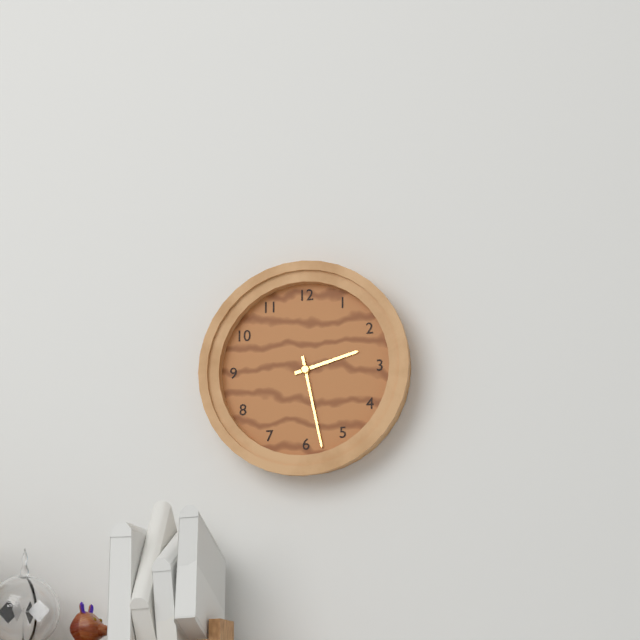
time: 2:28
